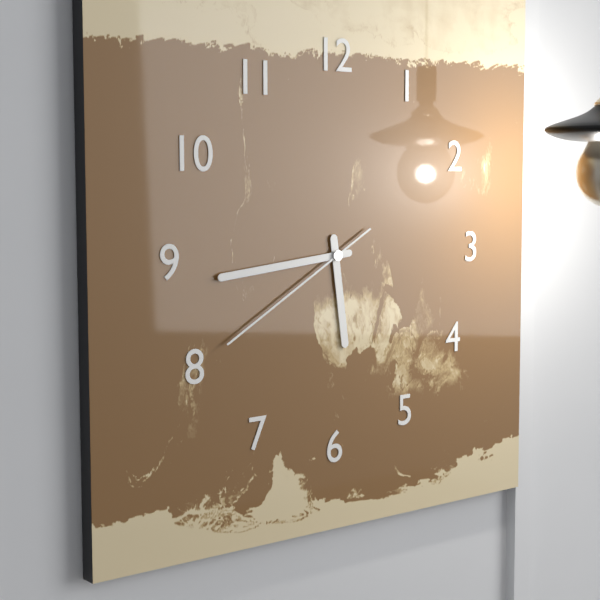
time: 5:44:40
